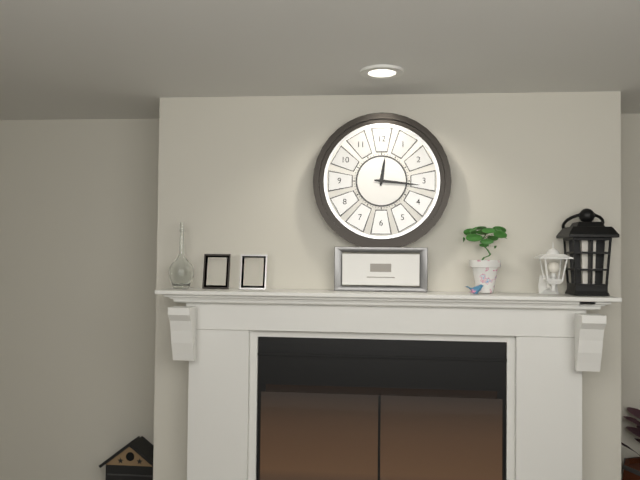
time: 12:16
